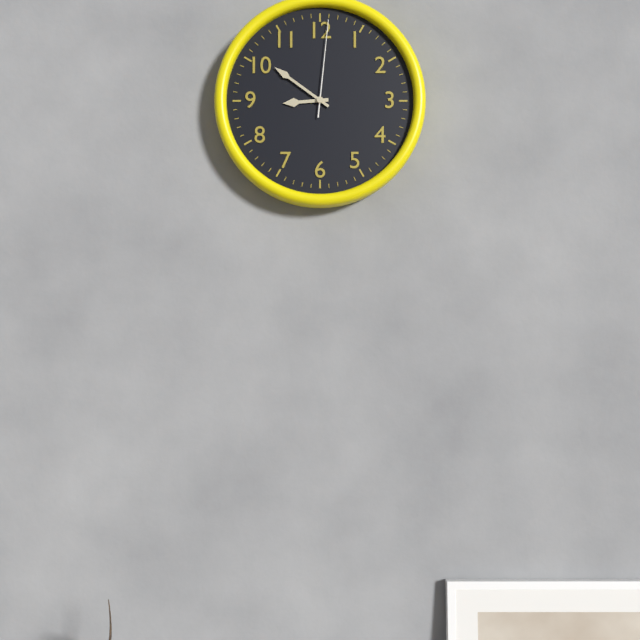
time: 8:51:01
